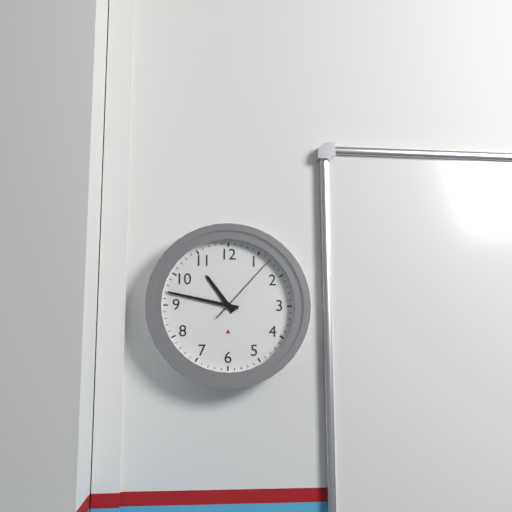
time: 10:47:07
